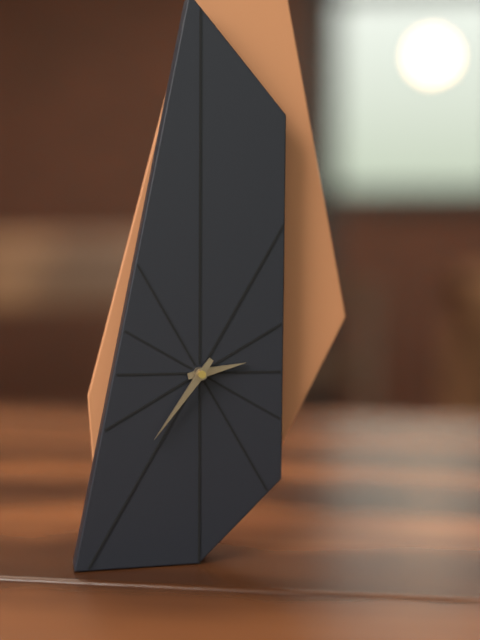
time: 2:36
